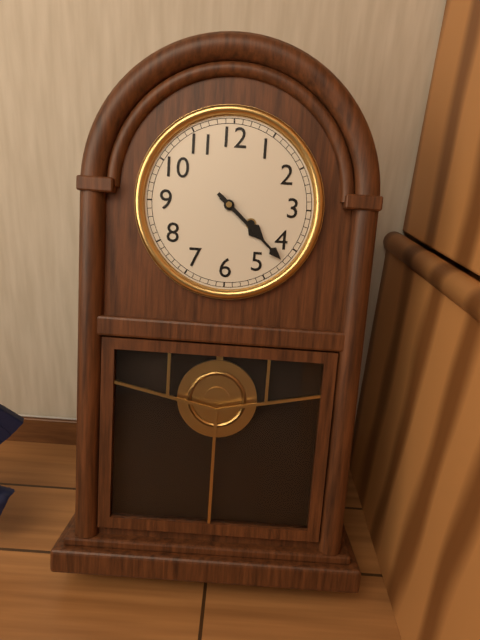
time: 4:22
